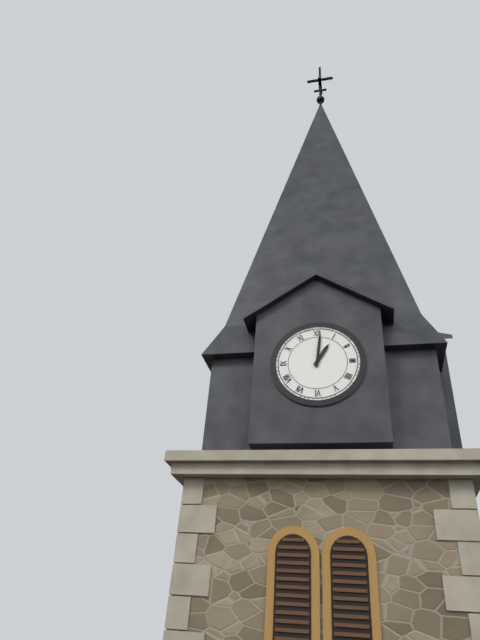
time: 1:01
